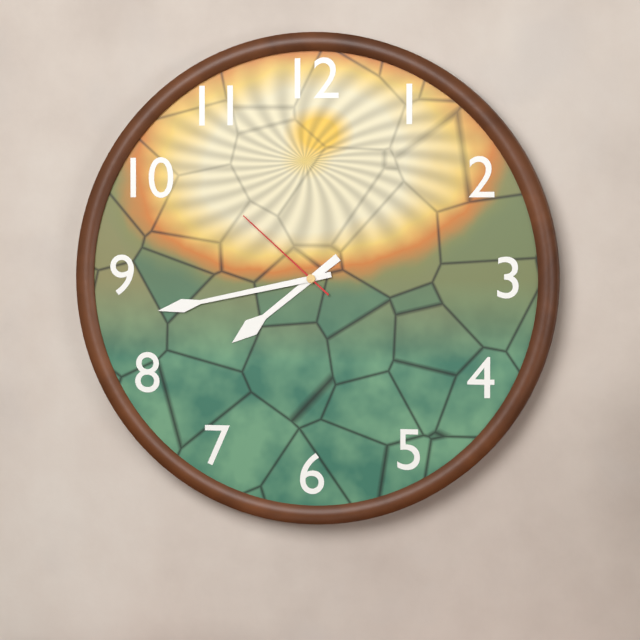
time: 7:43:52
